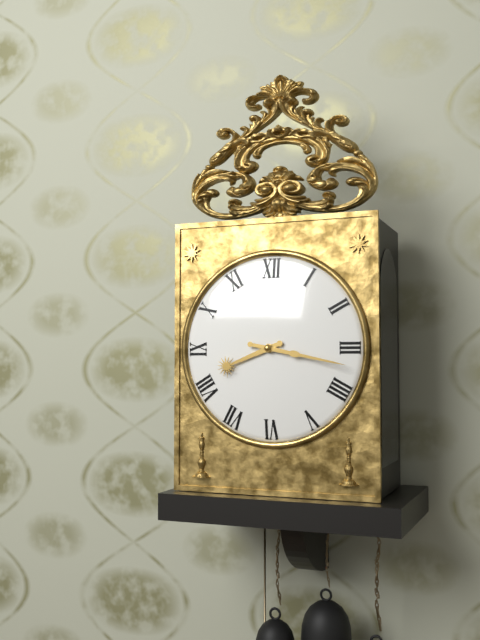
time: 8:17
